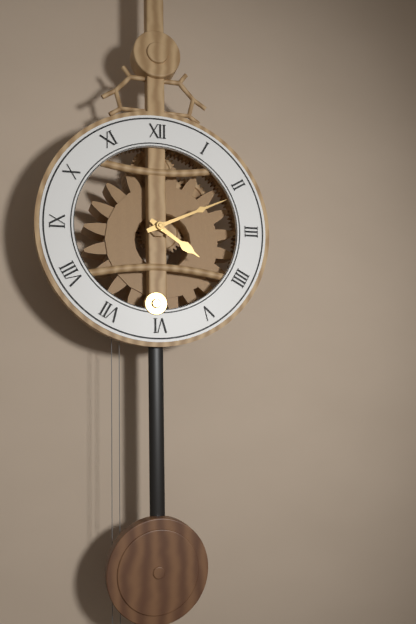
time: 4:11
